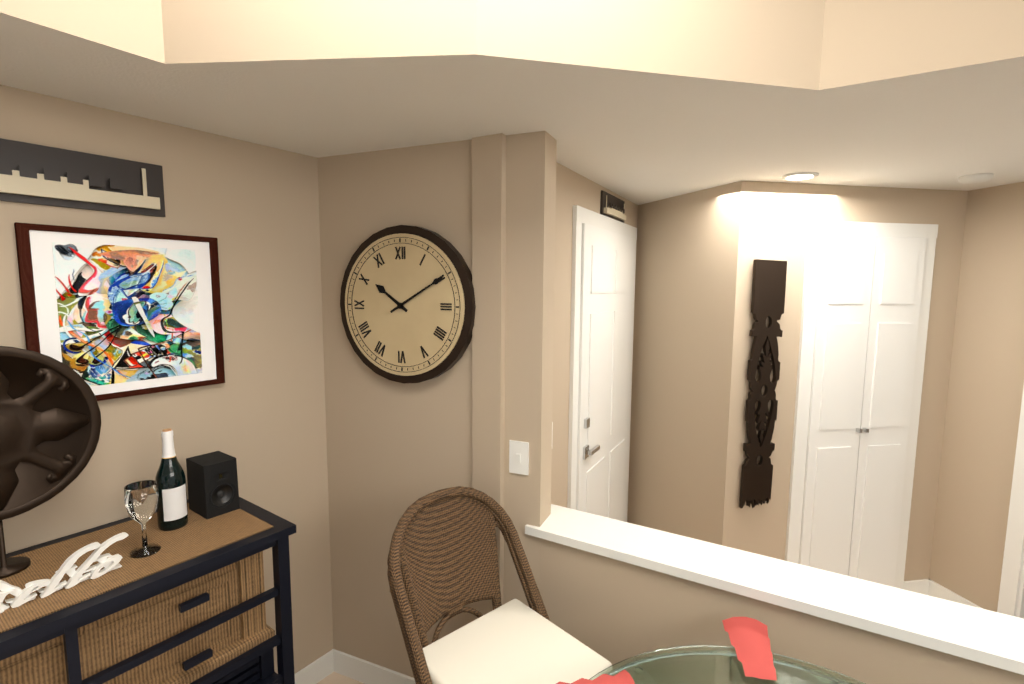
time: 10:10
